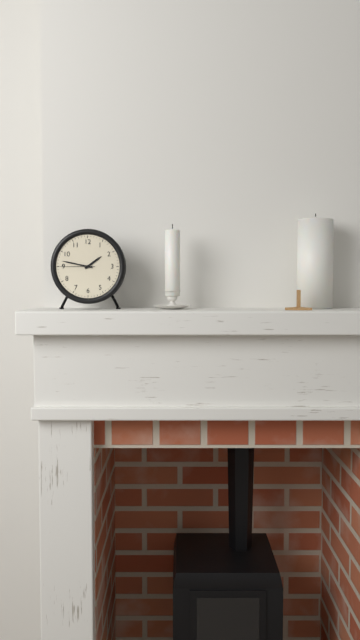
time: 1:47
